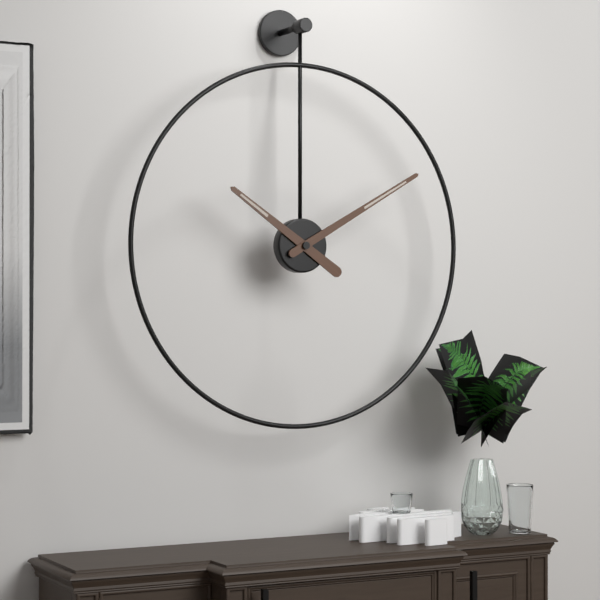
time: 10:10
